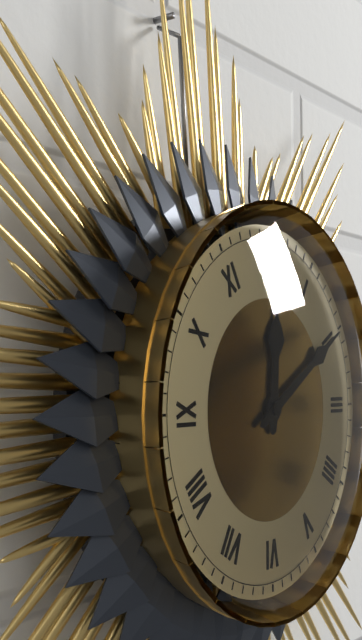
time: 12:10
